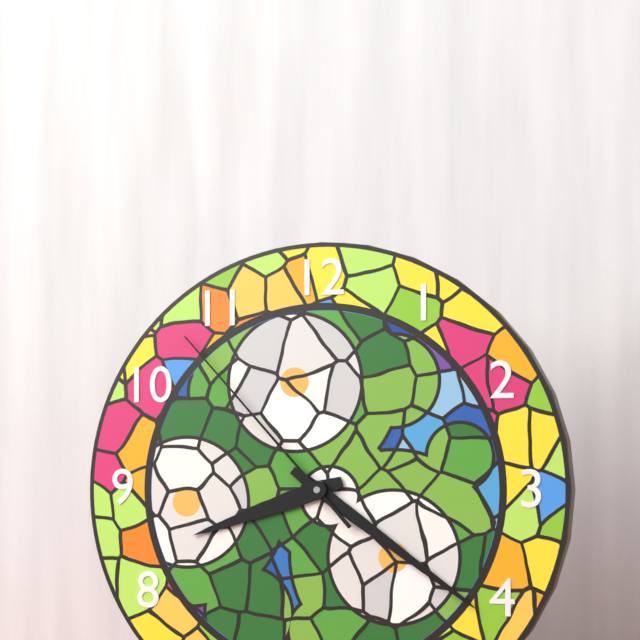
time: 8:21:53
